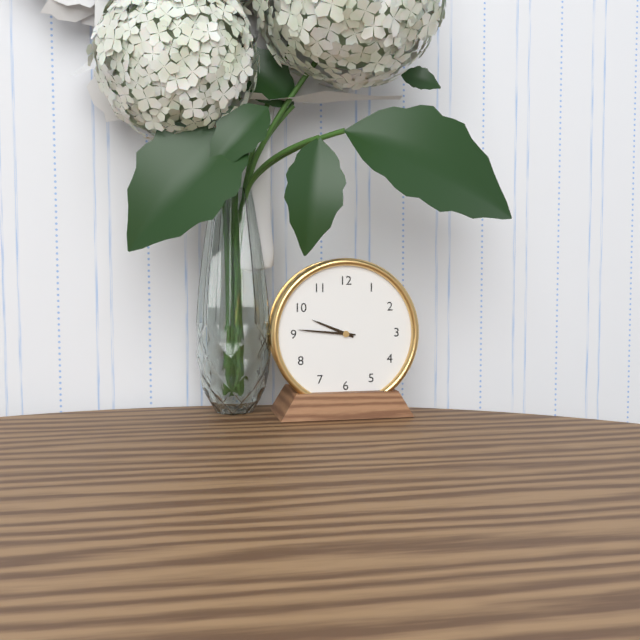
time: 9:46
